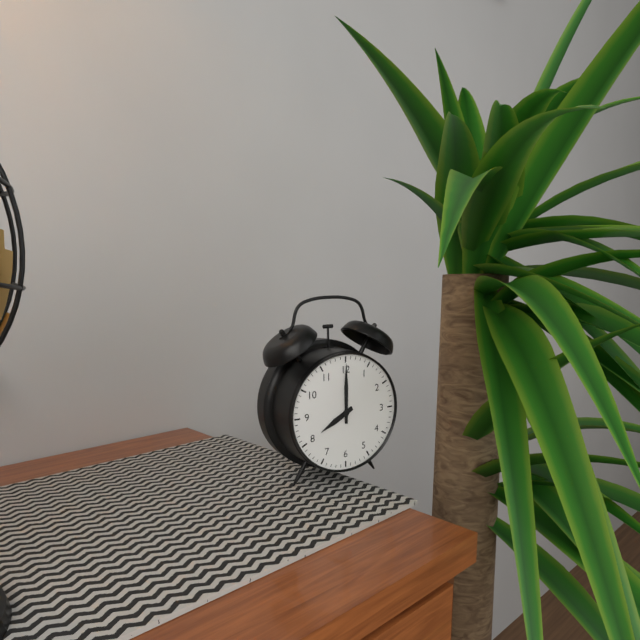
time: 8:00
